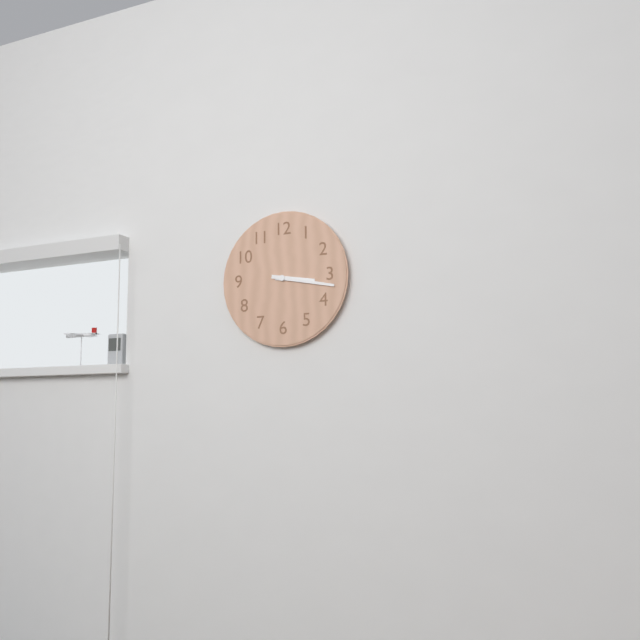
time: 3:17
